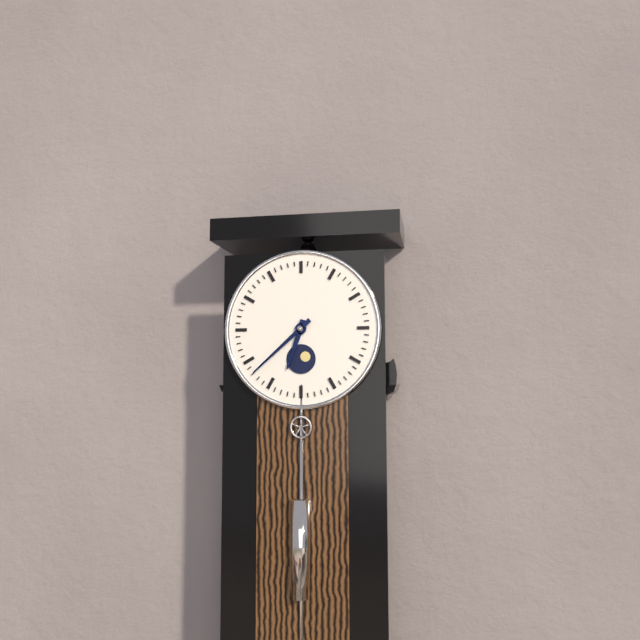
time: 6:38
